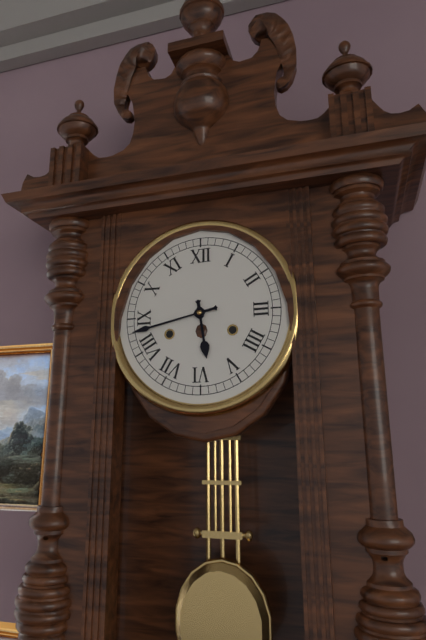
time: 5:43
